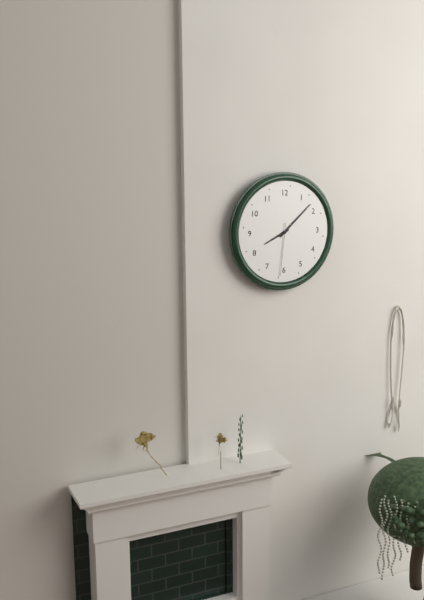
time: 8:08:31
